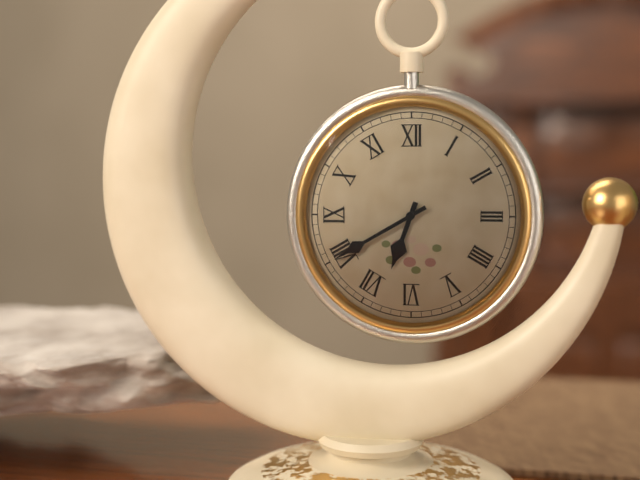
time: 6:40
